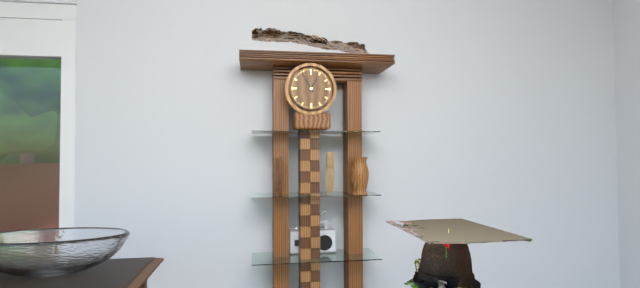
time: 12:55
